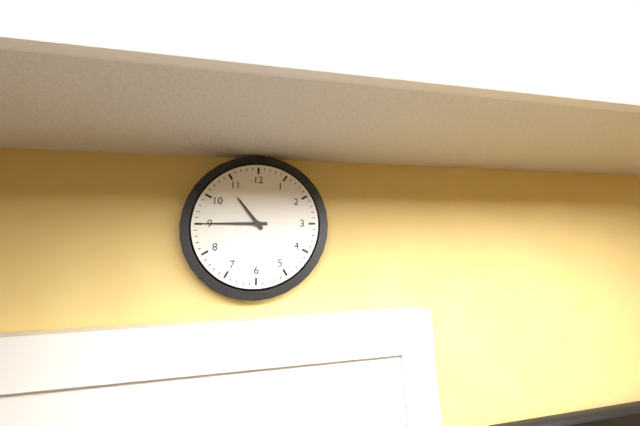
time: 10:45
